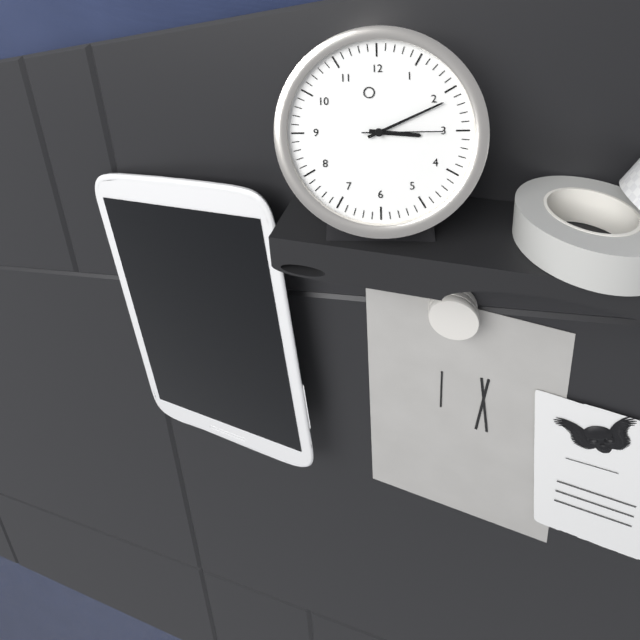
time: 3:11:15
